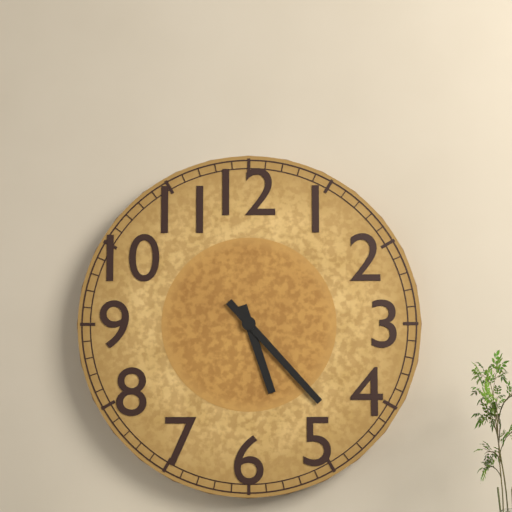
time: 5:23
